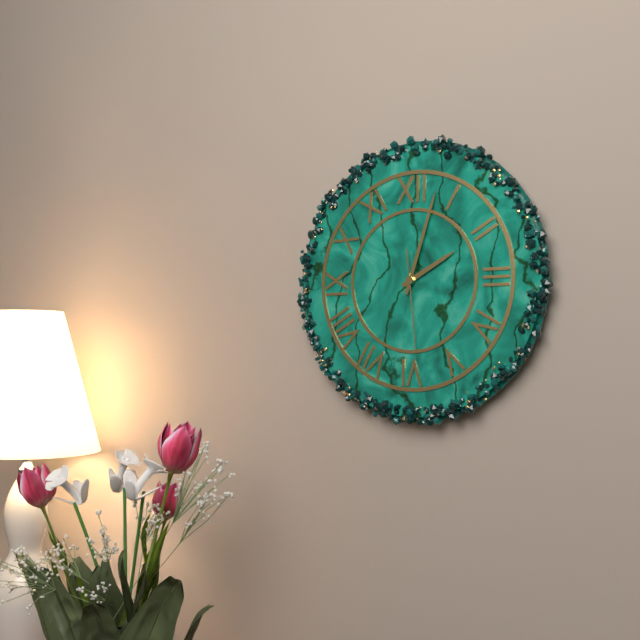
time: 2:03:29
